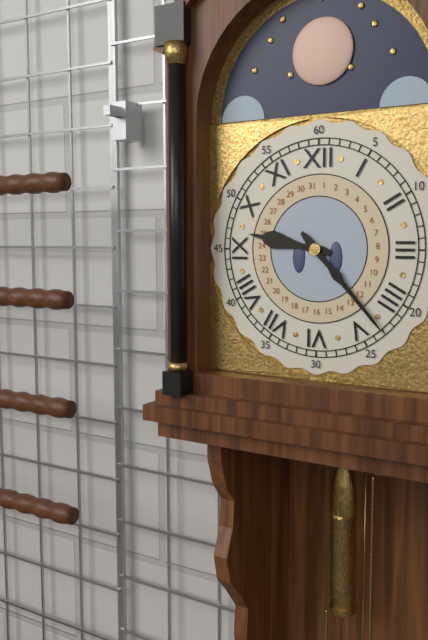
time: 9:23
